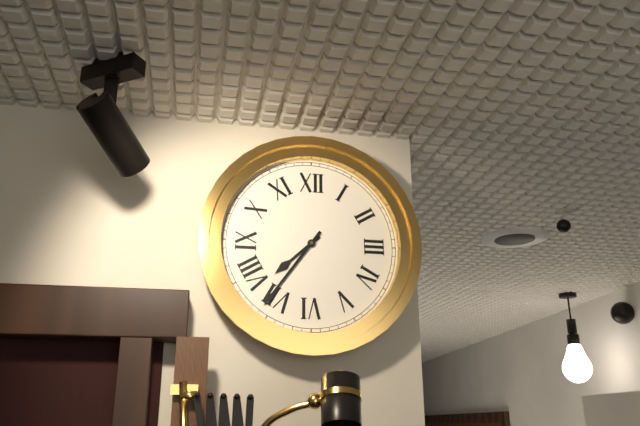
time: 7:36
